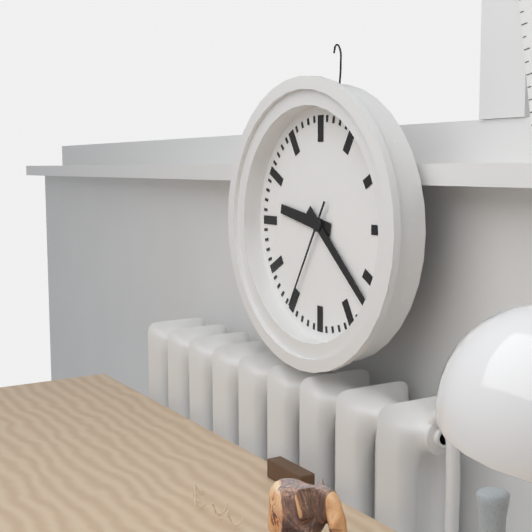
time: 9:22:35
